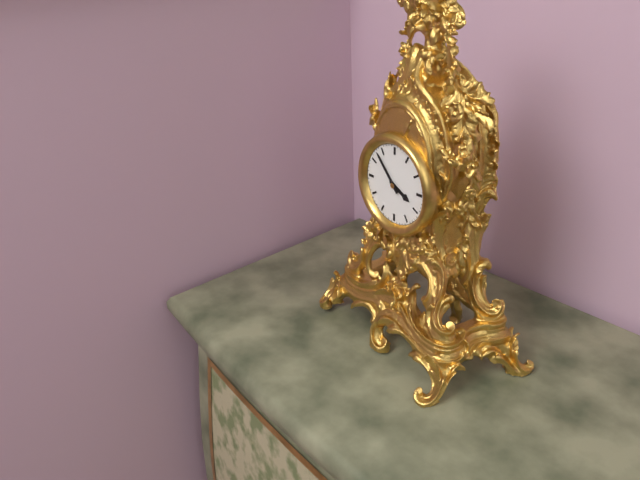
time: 3:53
